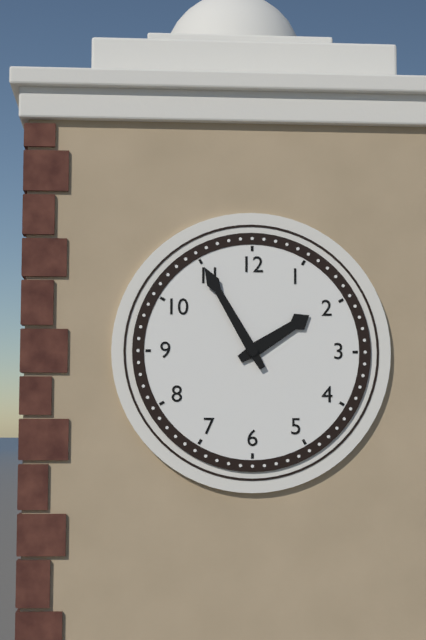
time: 1:55
